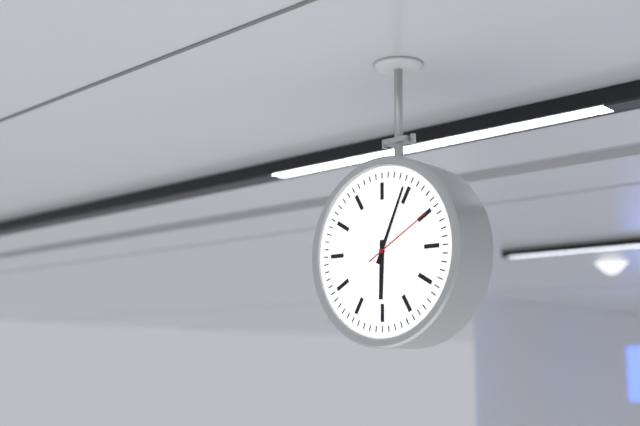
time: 6:04:10
